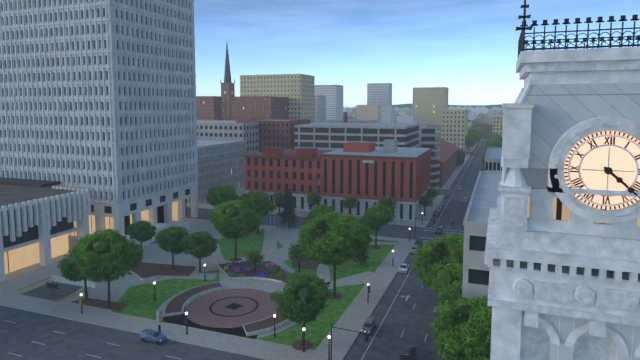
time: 4:22
